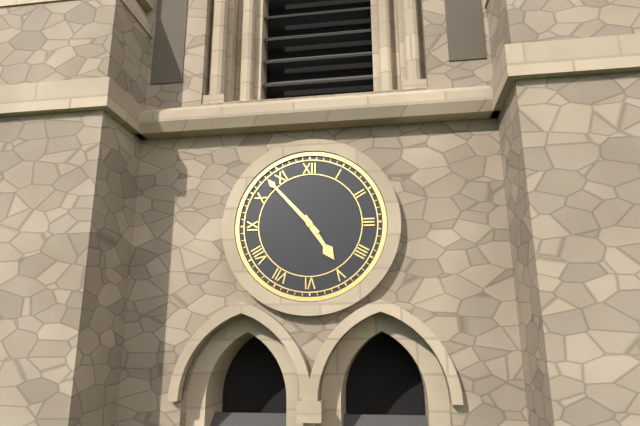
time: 4:53
